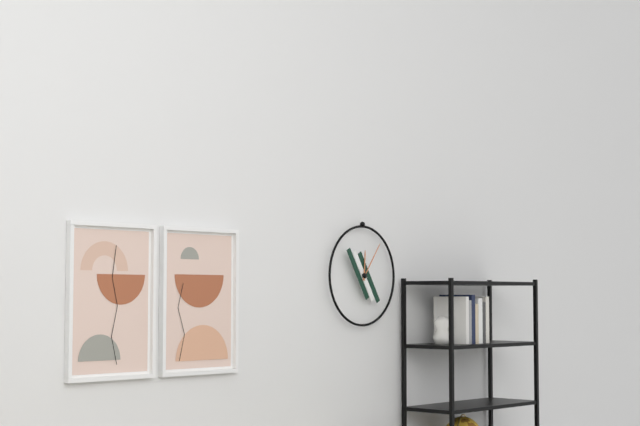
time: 12:06
